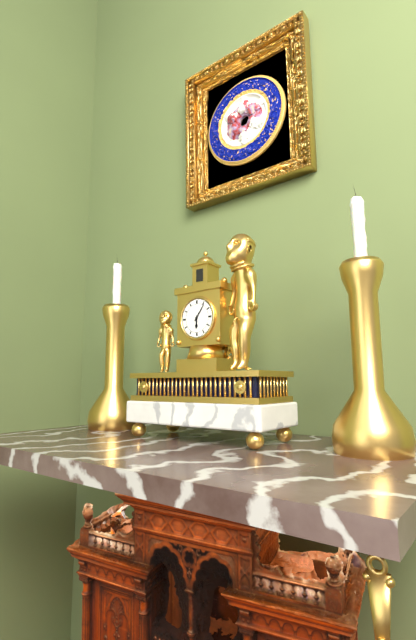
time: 6:06
